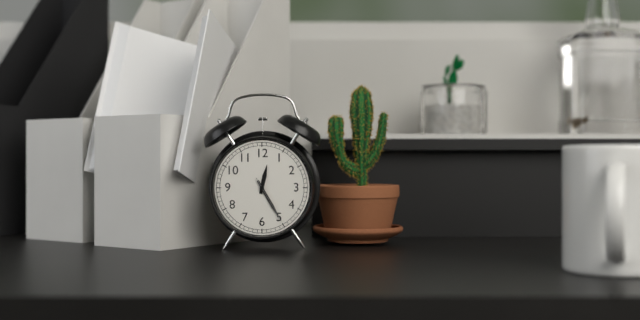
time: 12:25
